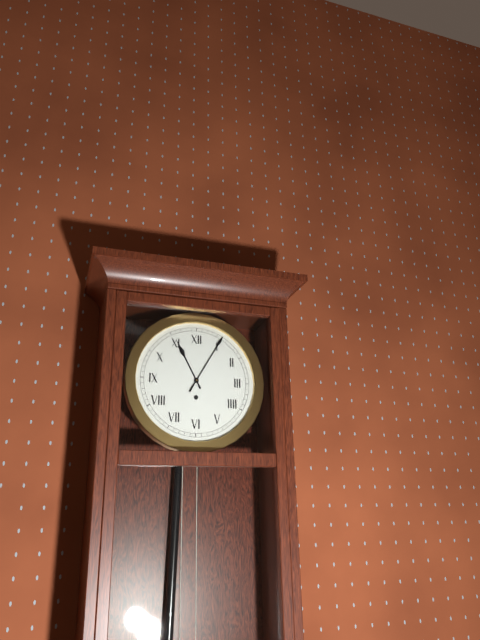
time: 11:05
